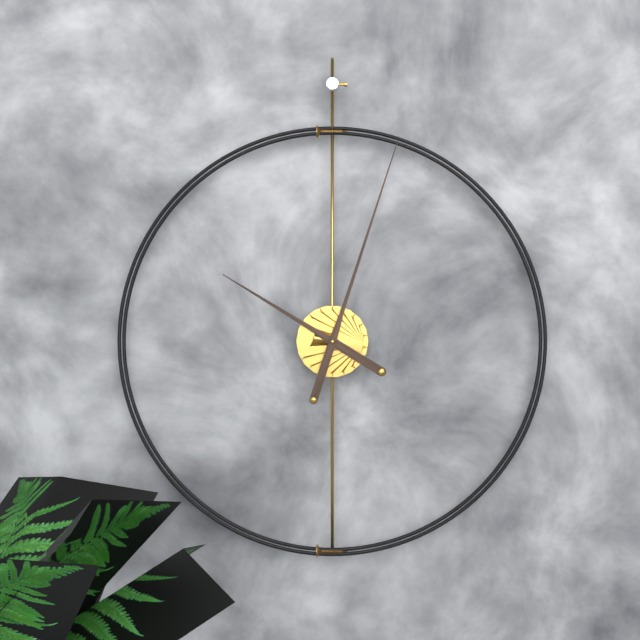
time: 10:03
